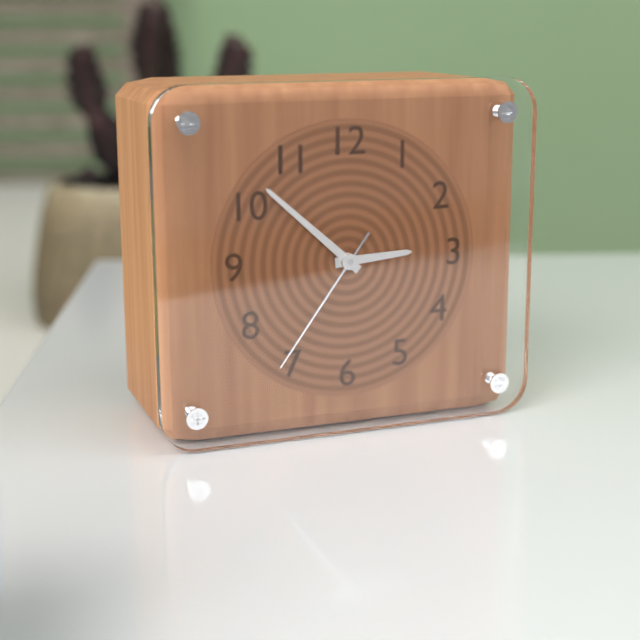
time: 2:52:36
